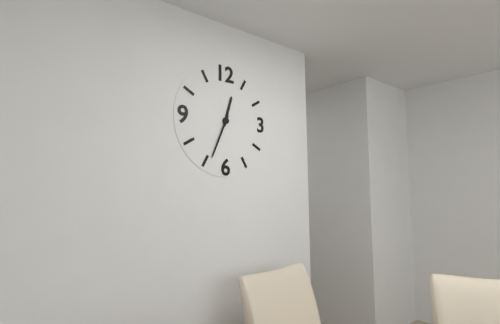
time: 12:34
